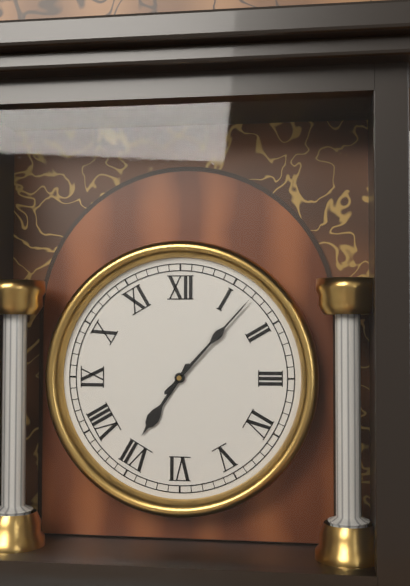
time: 7:07
